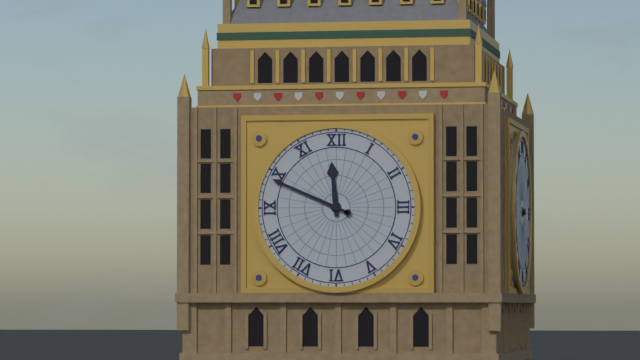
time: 11:49
